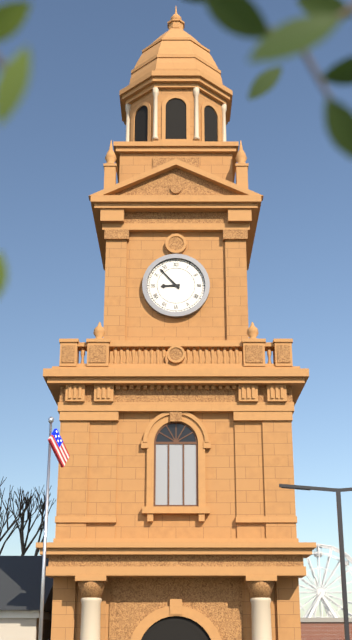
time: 8:53
